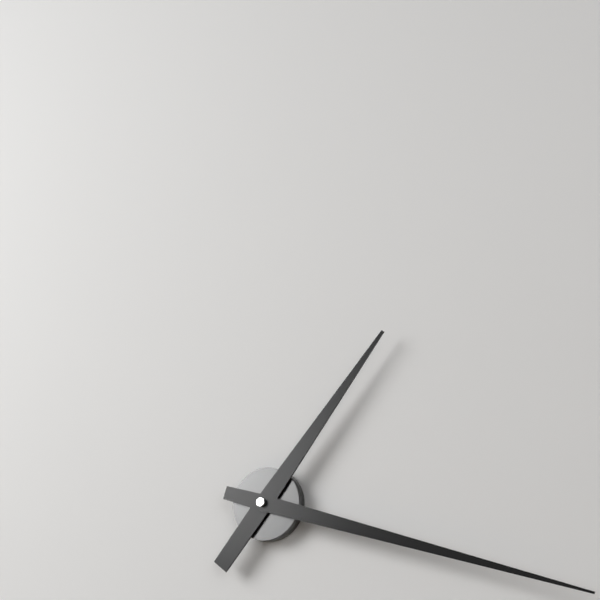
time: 1:18
